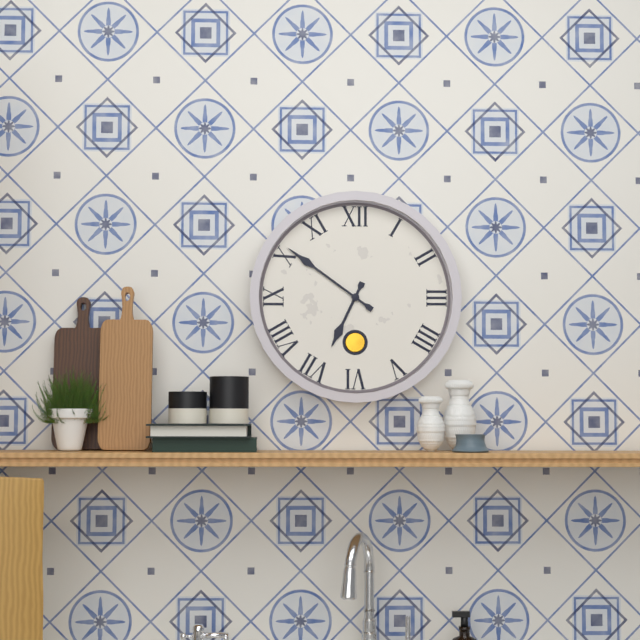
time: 6:51
